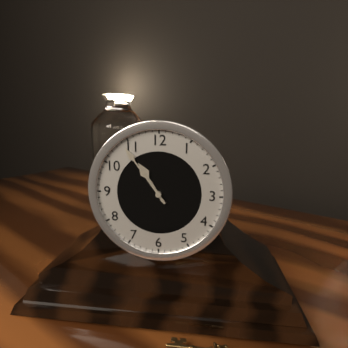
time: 10:54
